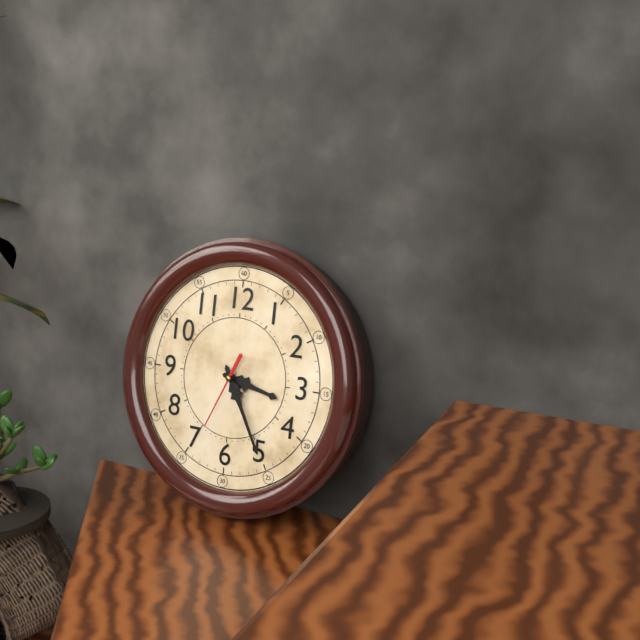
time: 3:25:34
